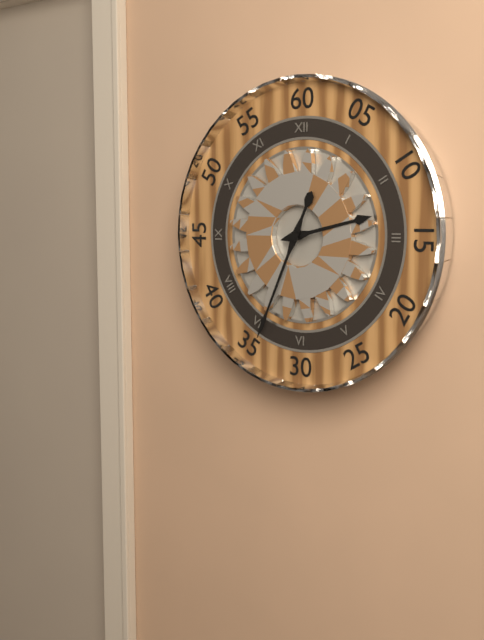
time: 2:34
